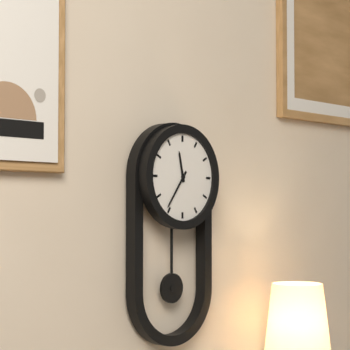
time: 11:36
